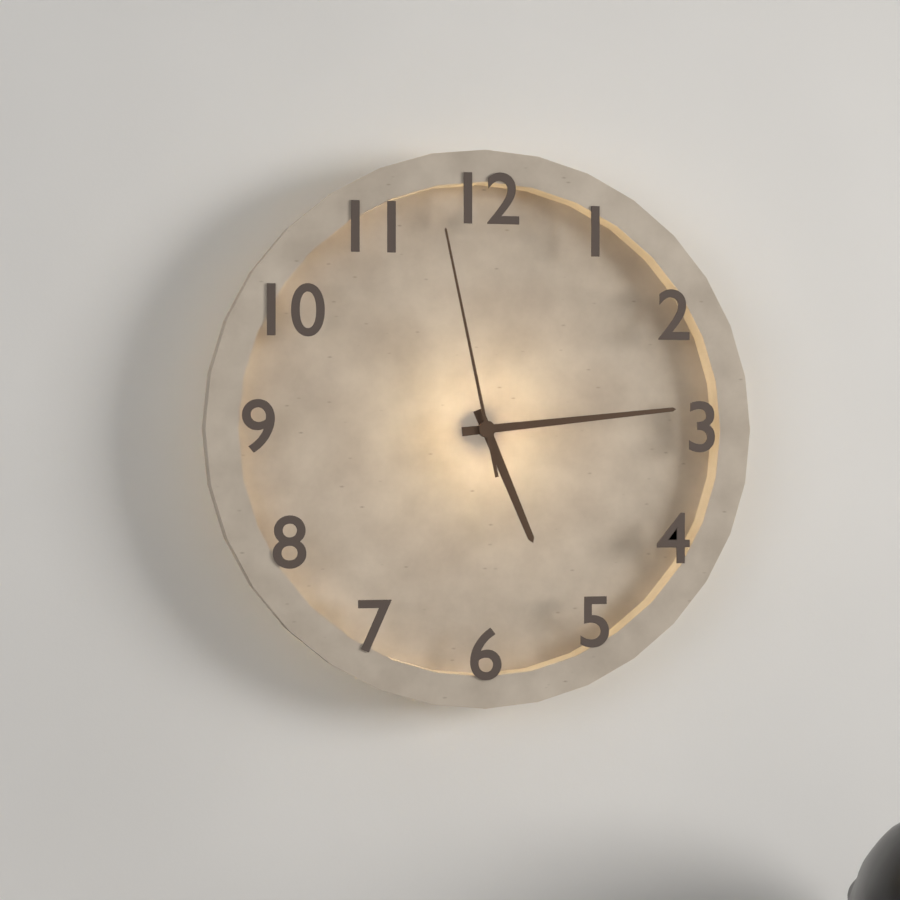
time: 5:14:58
